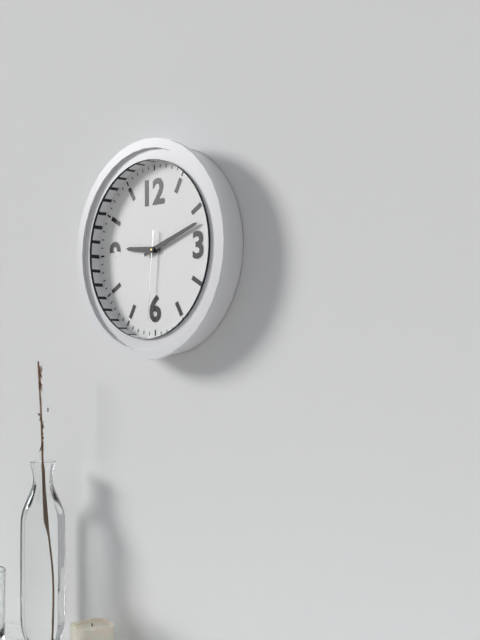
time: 9:12:31
